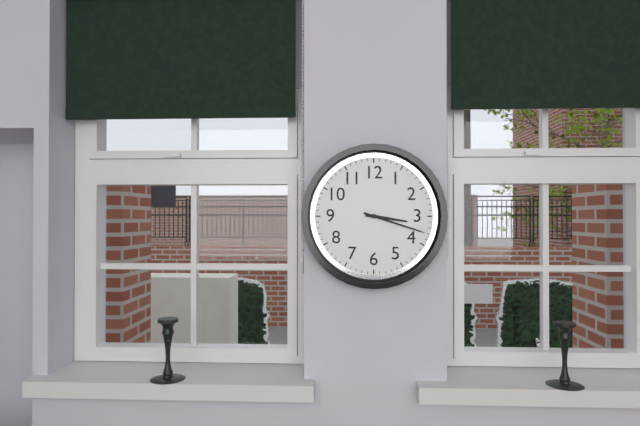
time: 3:18
